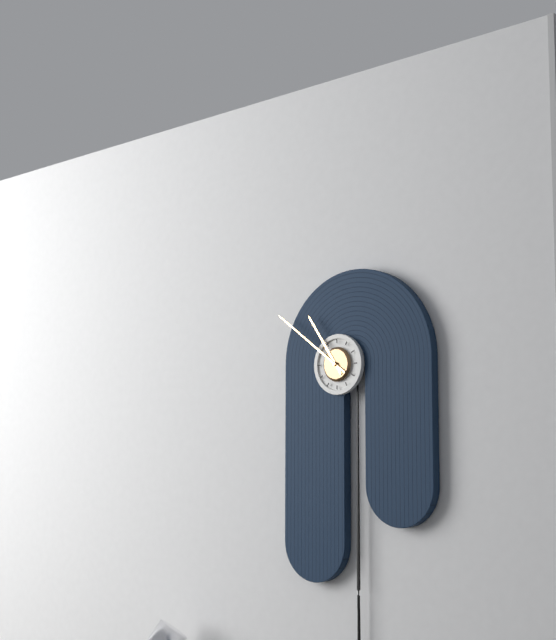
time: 10:51
